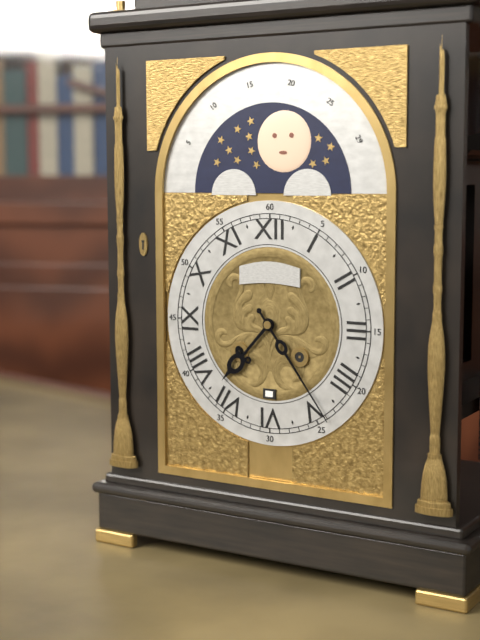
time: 7:24
